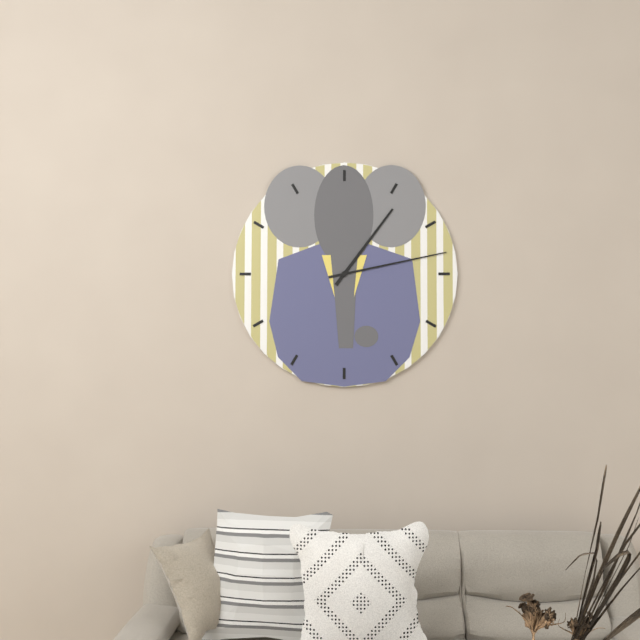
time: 1:13
